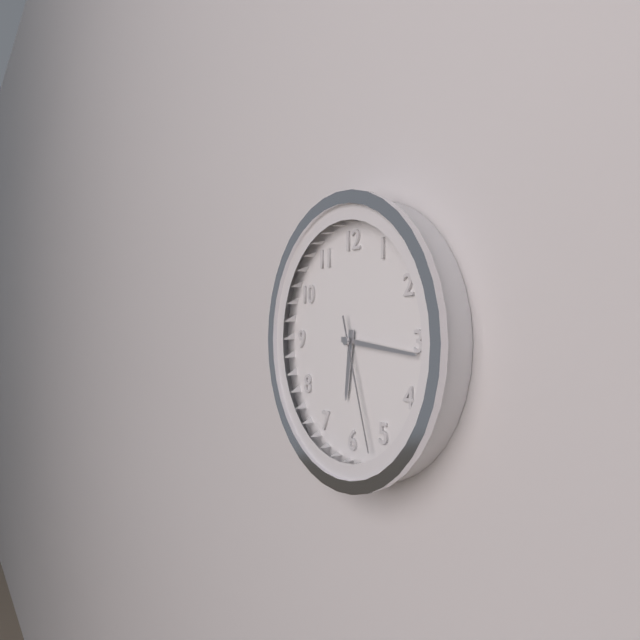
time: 6:16:27
